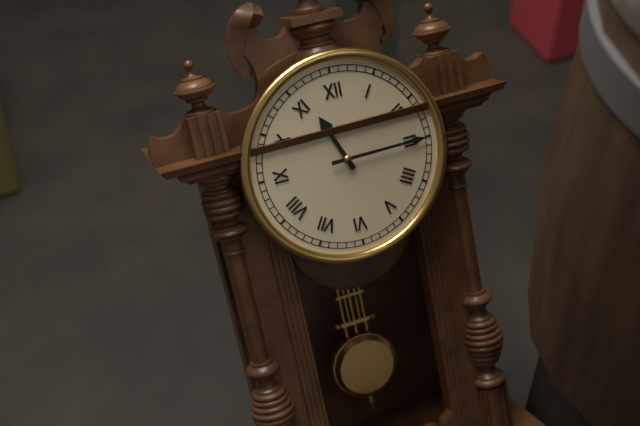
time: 11:15
